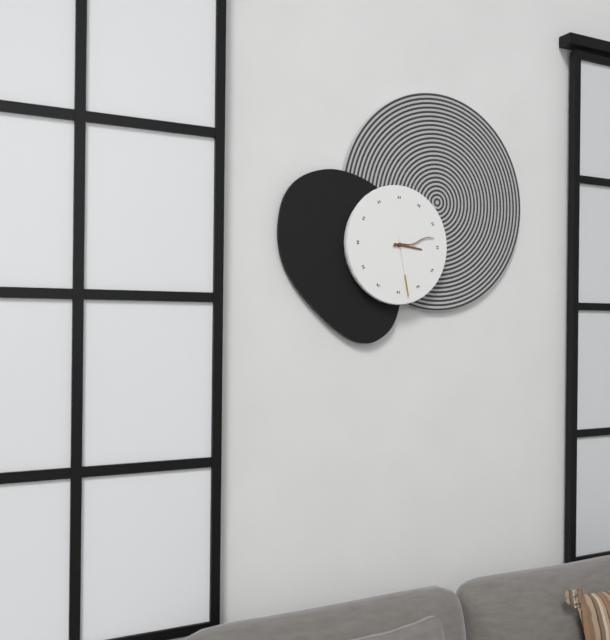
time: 3:13:28
